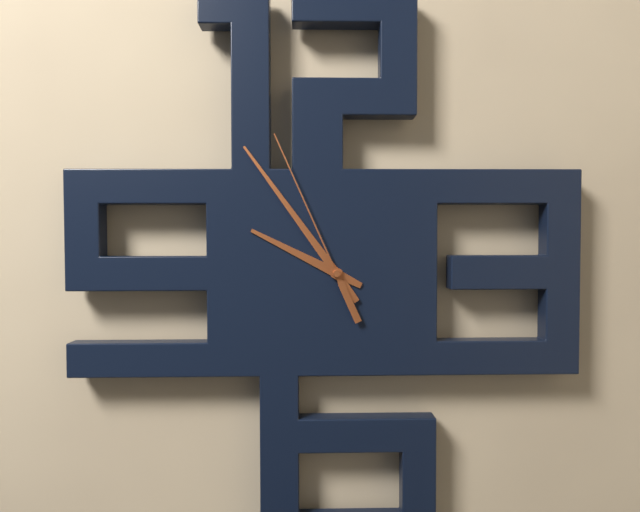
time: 9:54:56
